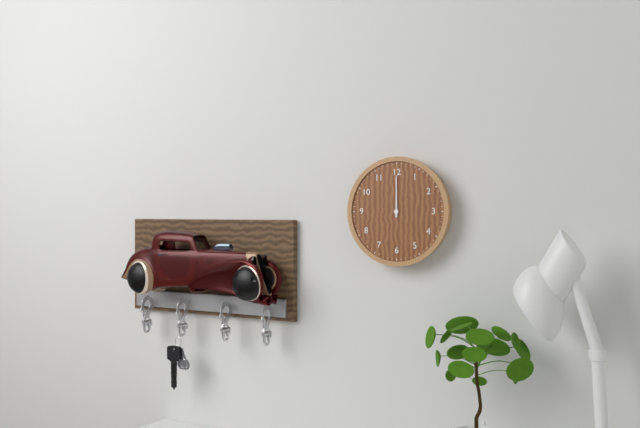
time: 12:00
